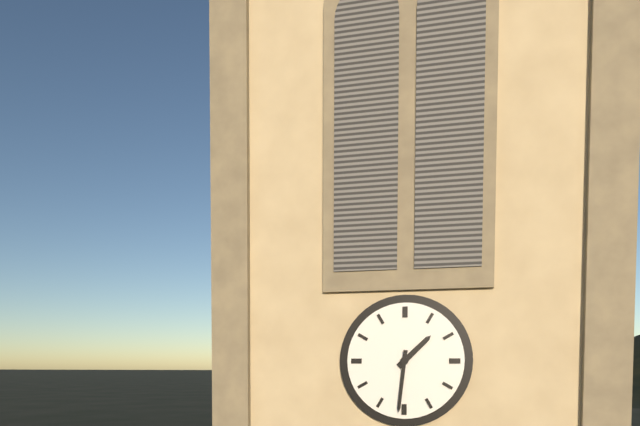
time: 1:31
